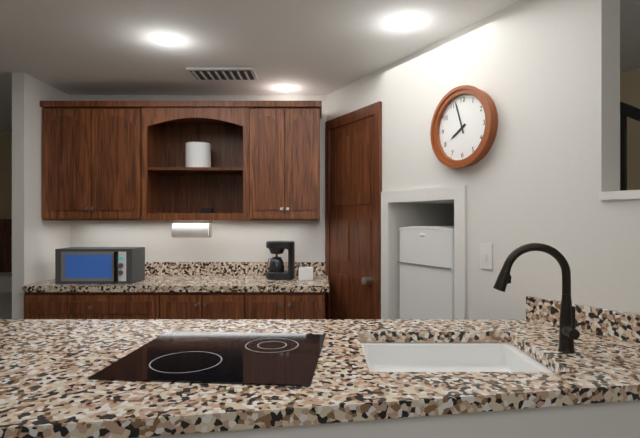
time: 7:57
